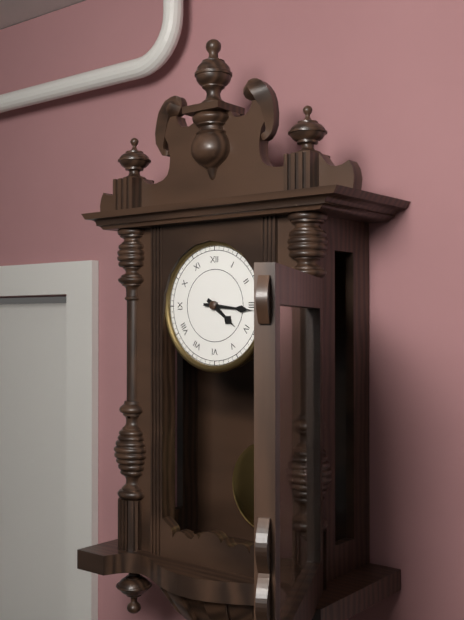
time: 4:16
